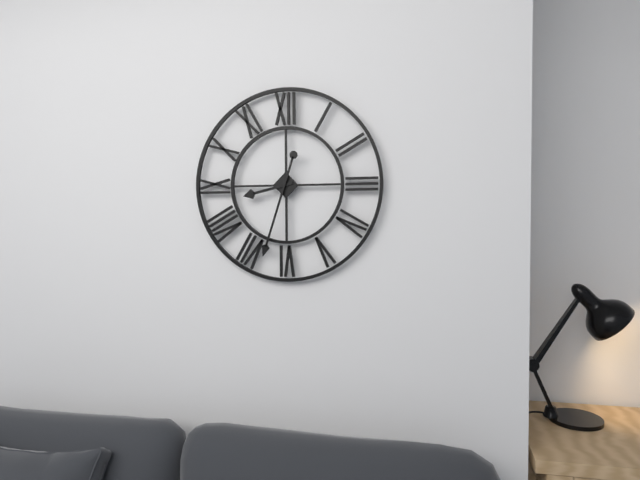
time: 8:33
